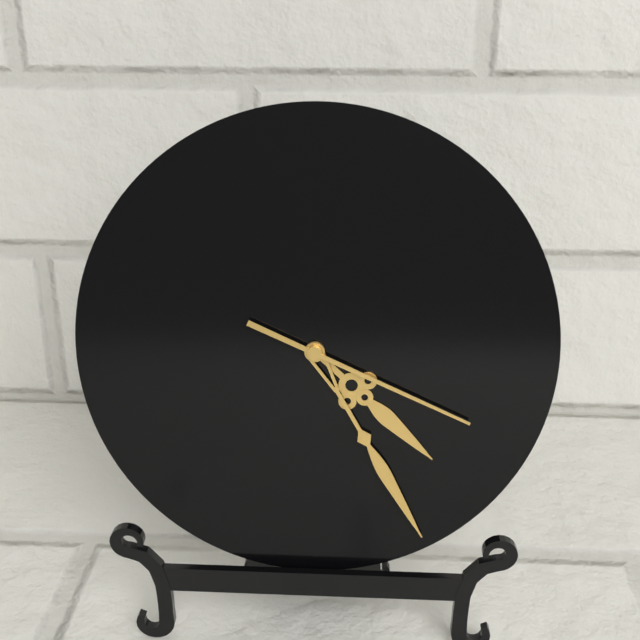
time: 4:25:19
